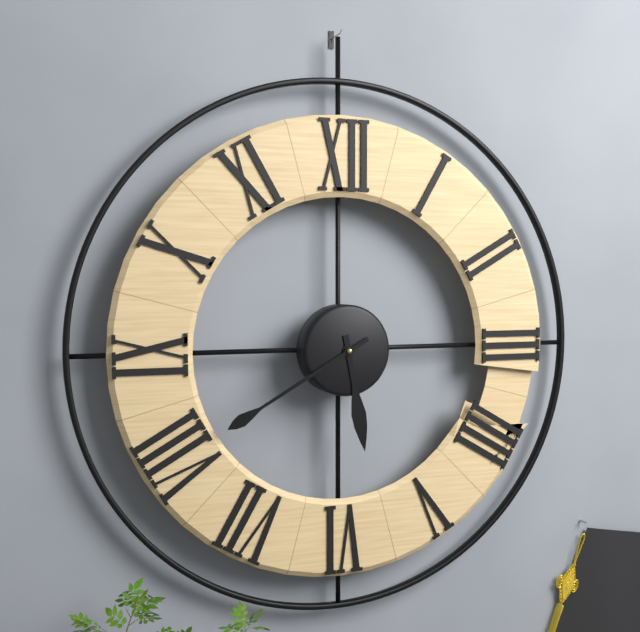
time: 5:40
